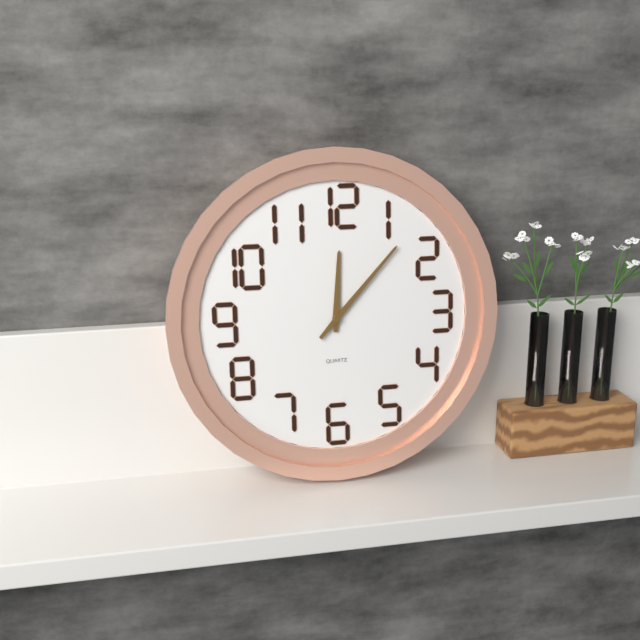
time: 12:07
